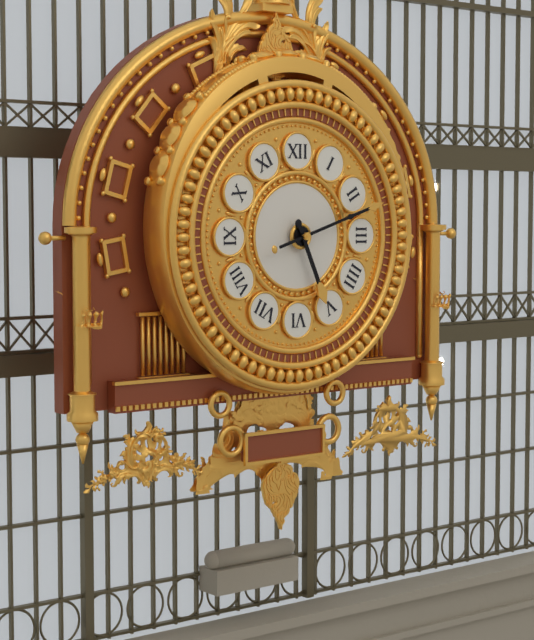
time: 5:12
